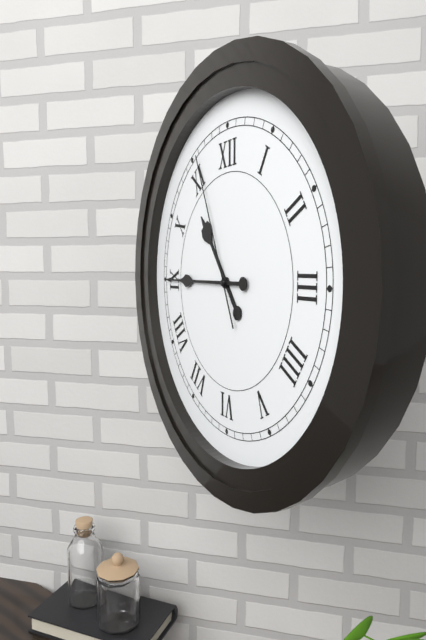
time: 10:45:56
